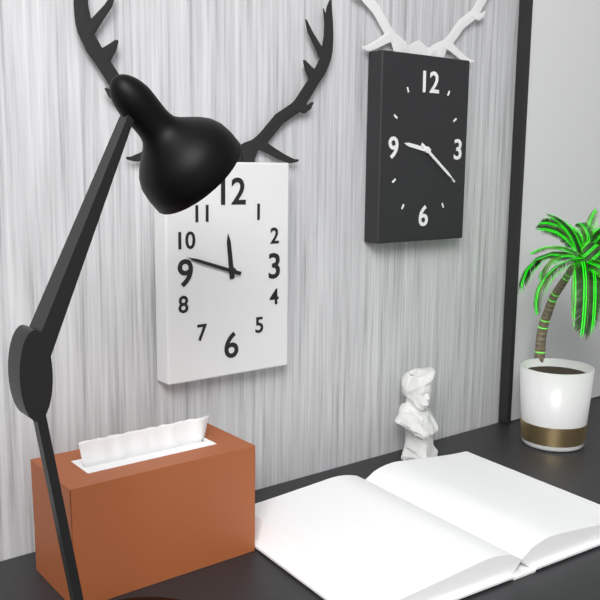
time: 11:48
